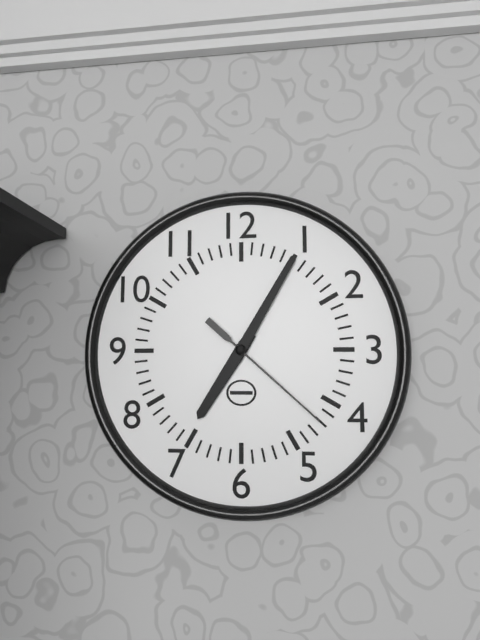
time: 7:05:22
